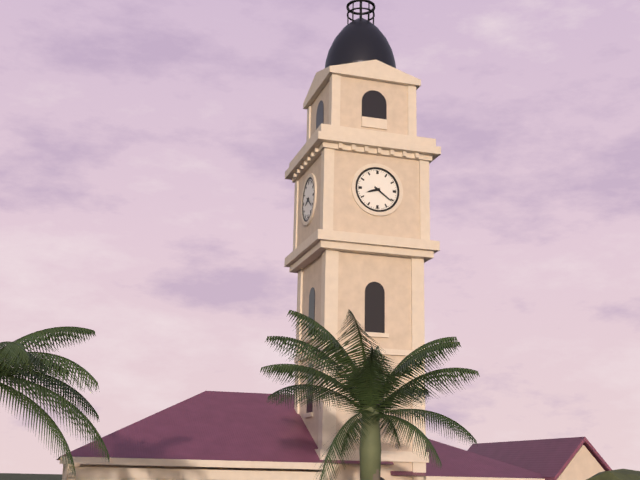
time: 8:21
